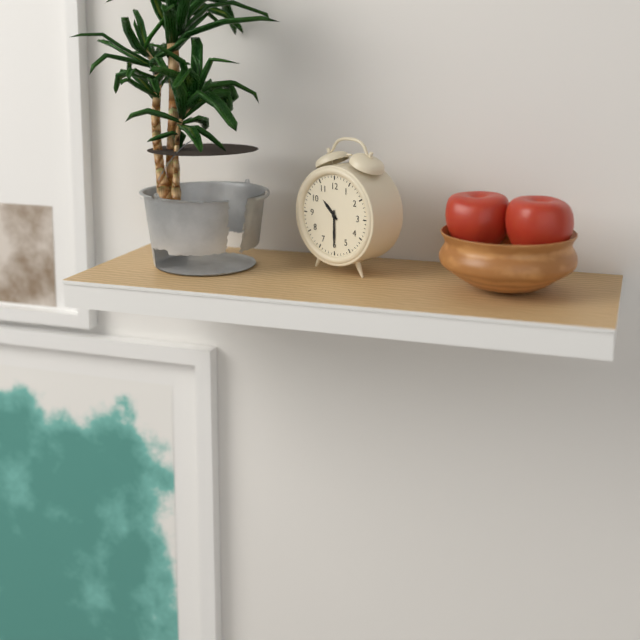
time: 10:30
